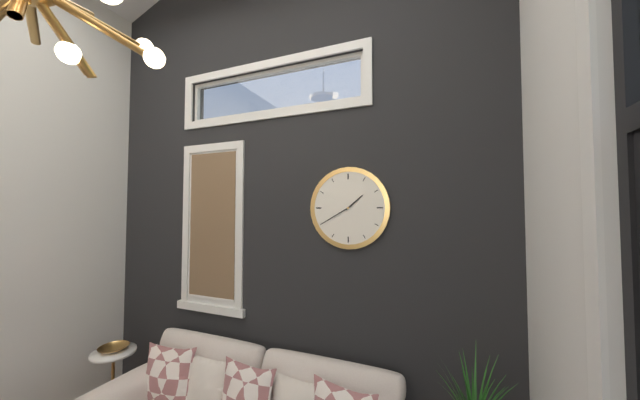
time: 1:40
